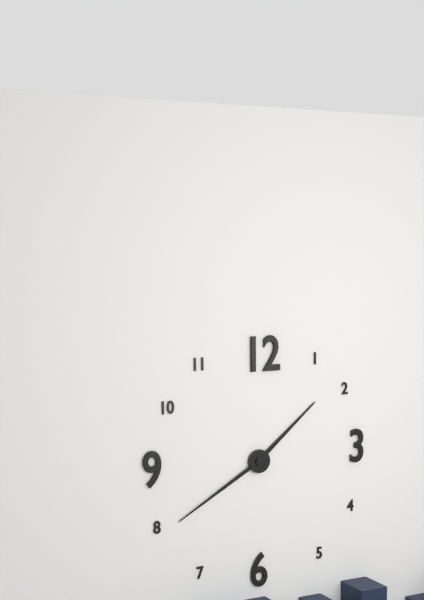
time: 1:40
